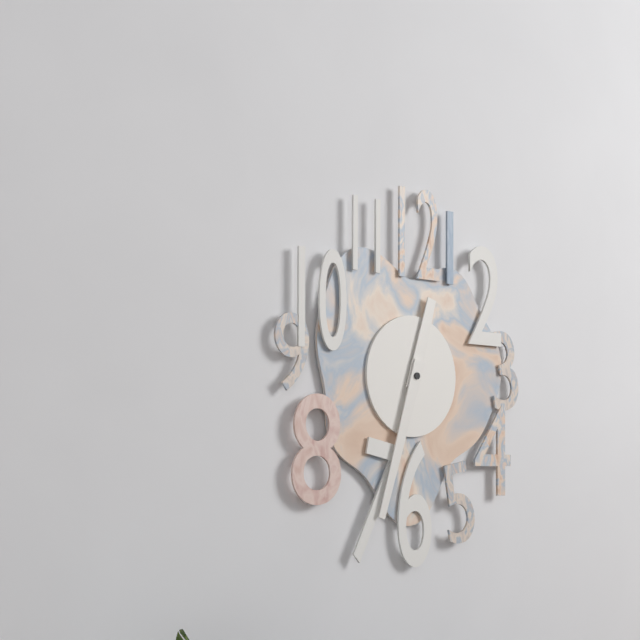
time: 12:33
